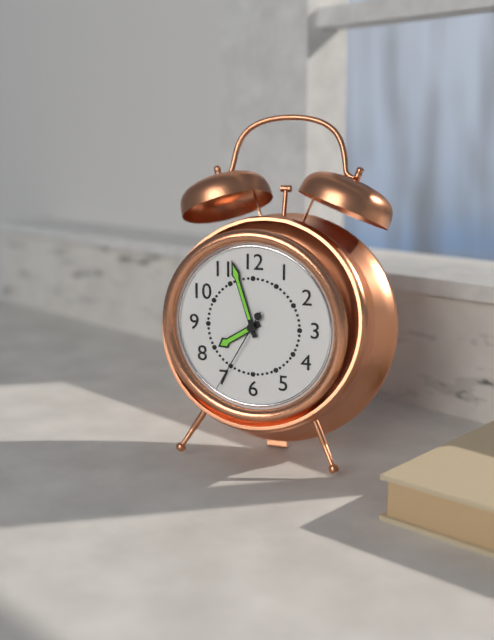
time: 7:57:35
